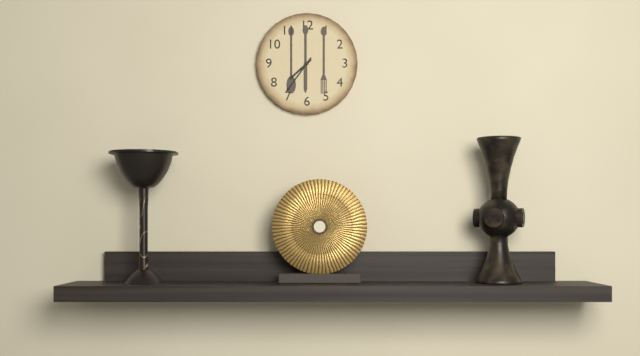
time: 7:36
